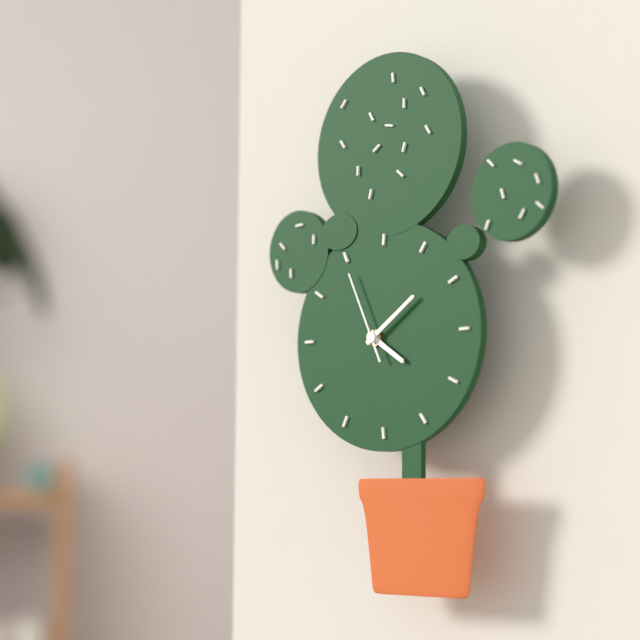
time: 4:09:56
